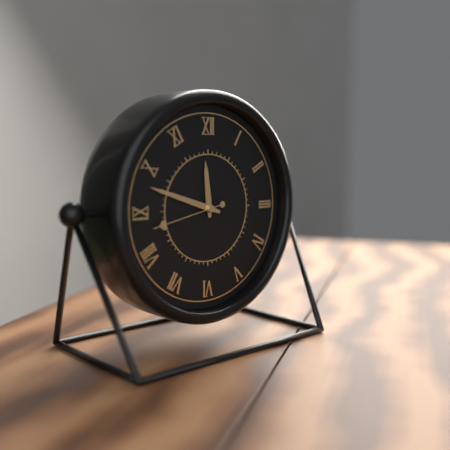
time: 11:48:43
